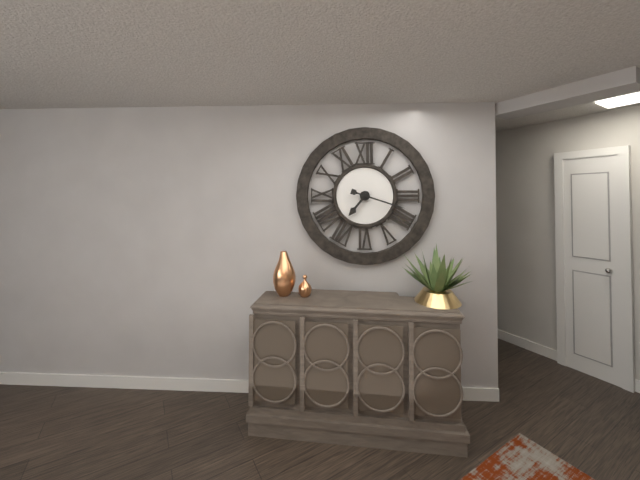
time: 7:18
